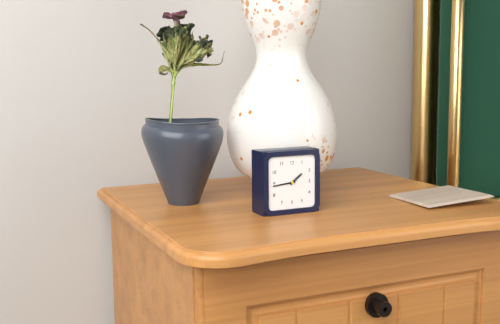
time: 1:44
